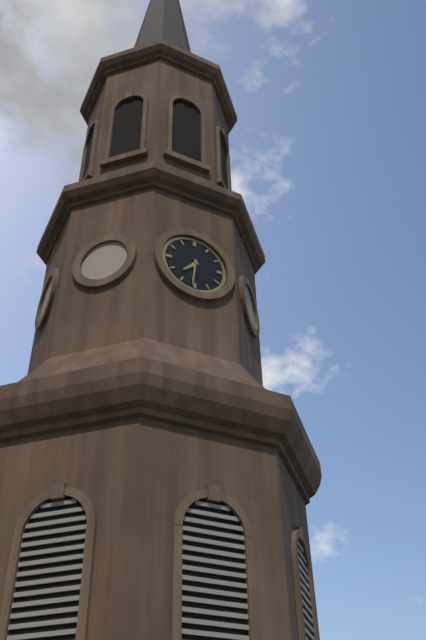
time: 7:31
